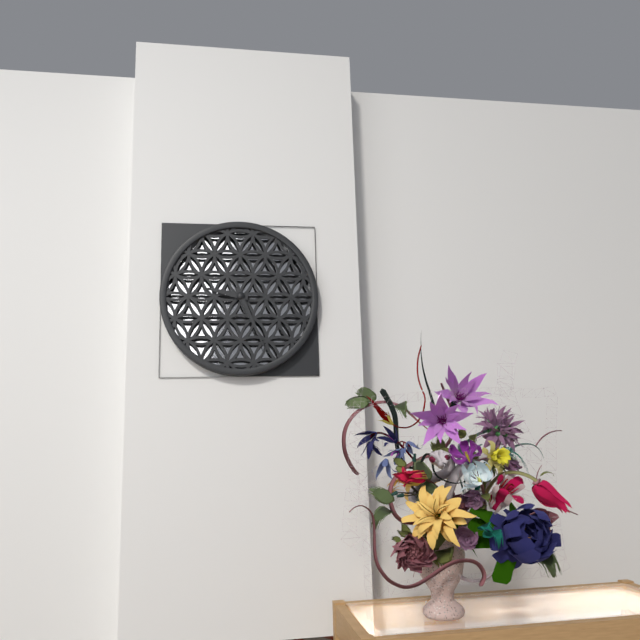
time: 9:26
